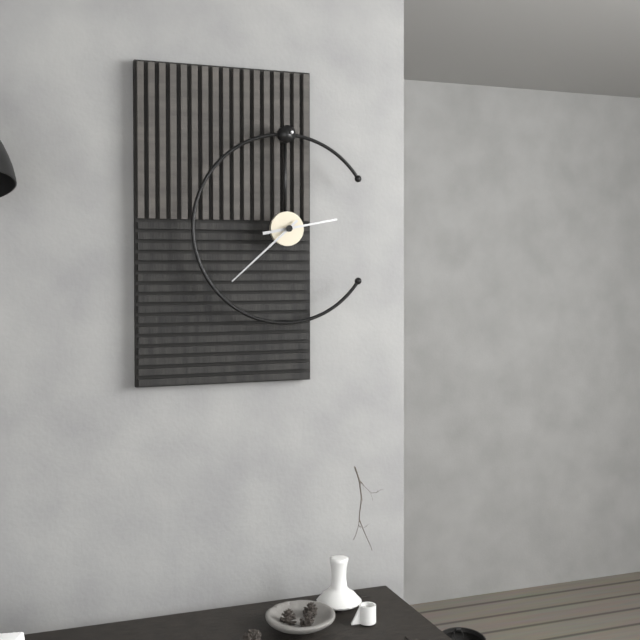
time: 2:38
